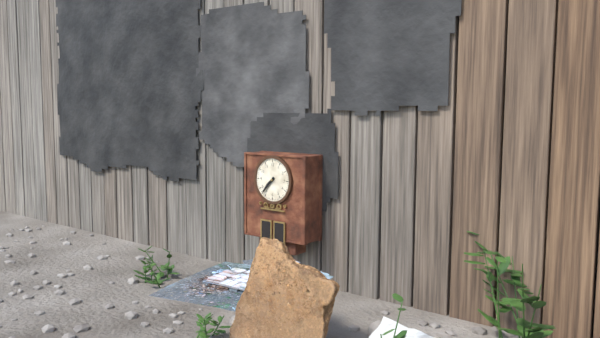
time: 7:37
